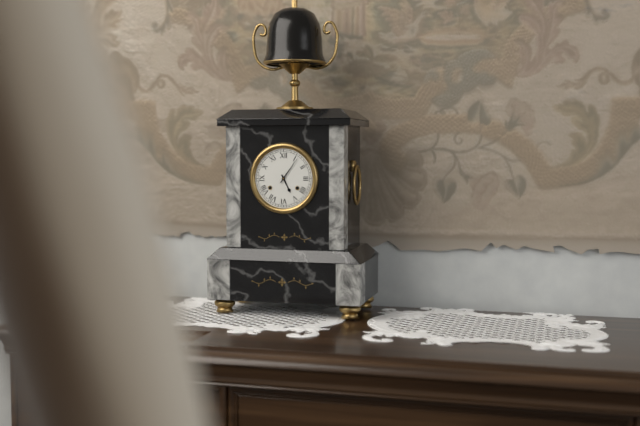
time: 5:06
